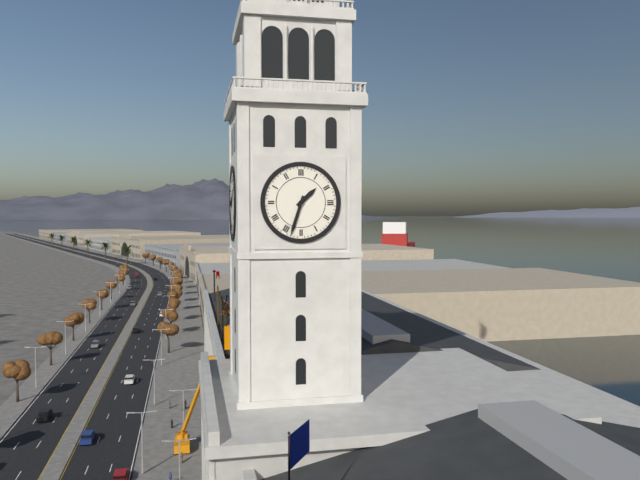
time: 1:33
